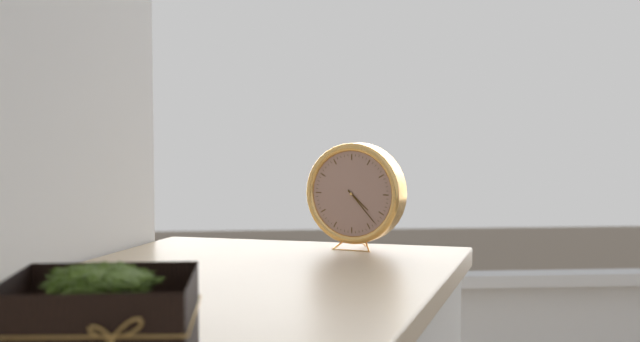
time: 4:23
